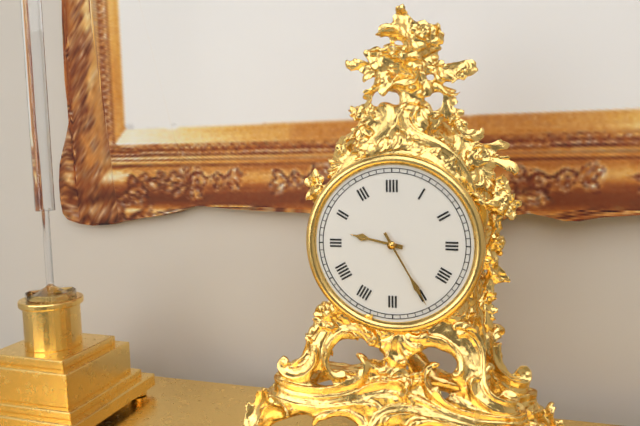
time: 9:25
